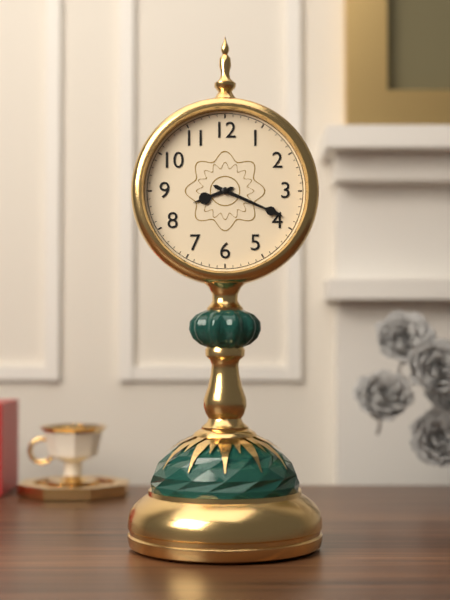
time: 8:19
